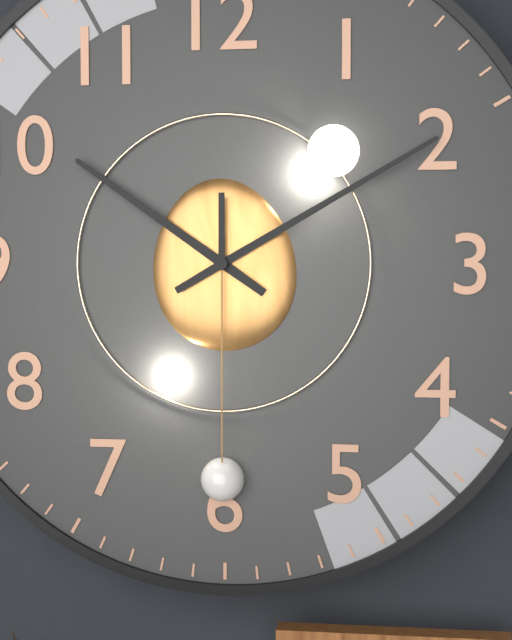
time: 10:10:30
